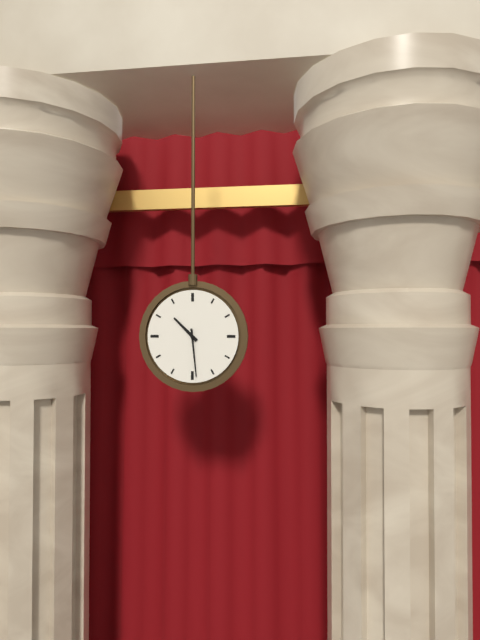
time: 10:29
